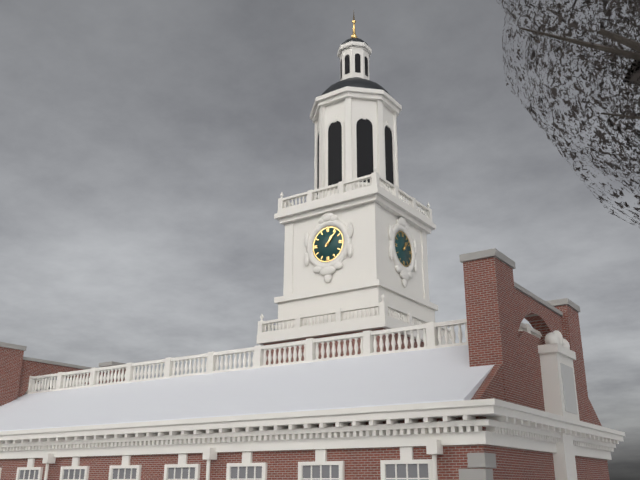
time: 1:07
